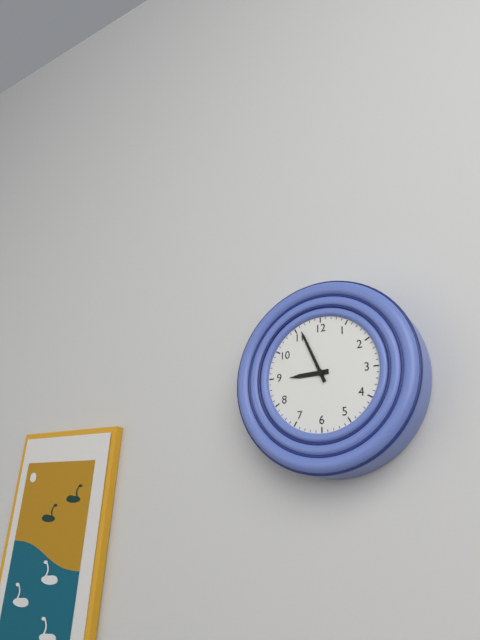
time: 8:56
